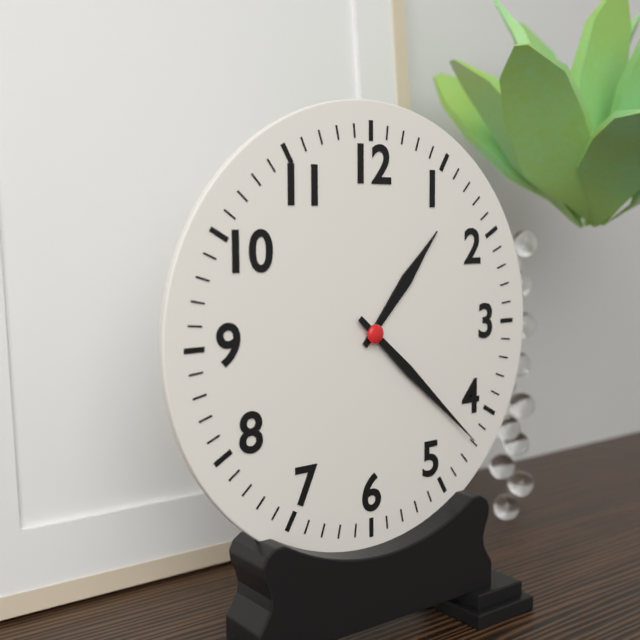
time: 1:22
